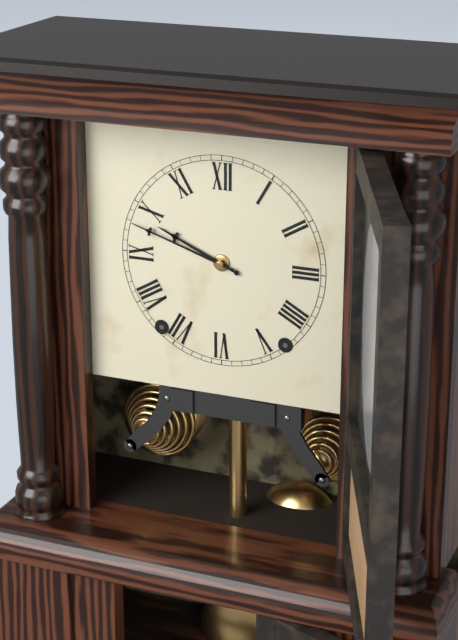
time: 9:48
